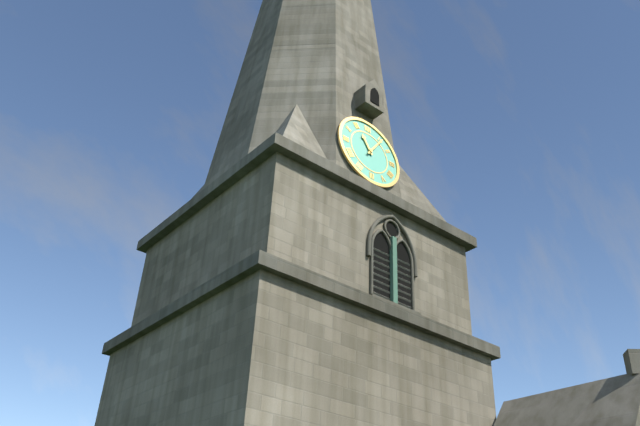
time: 11:06
